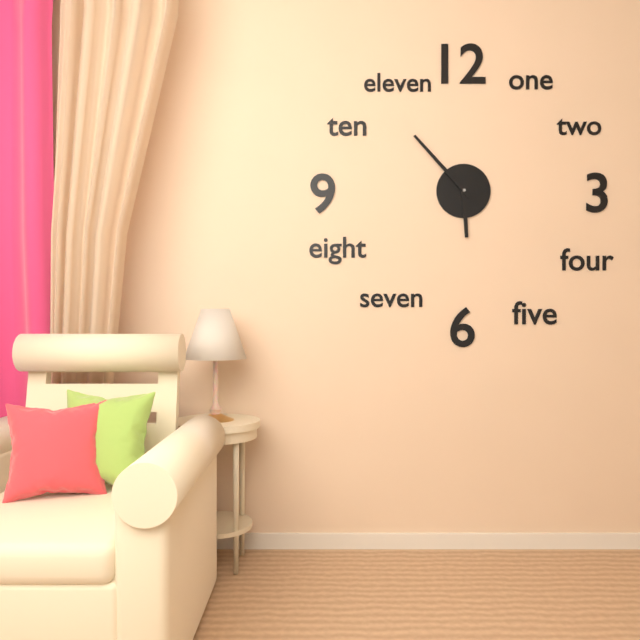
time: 5:53
